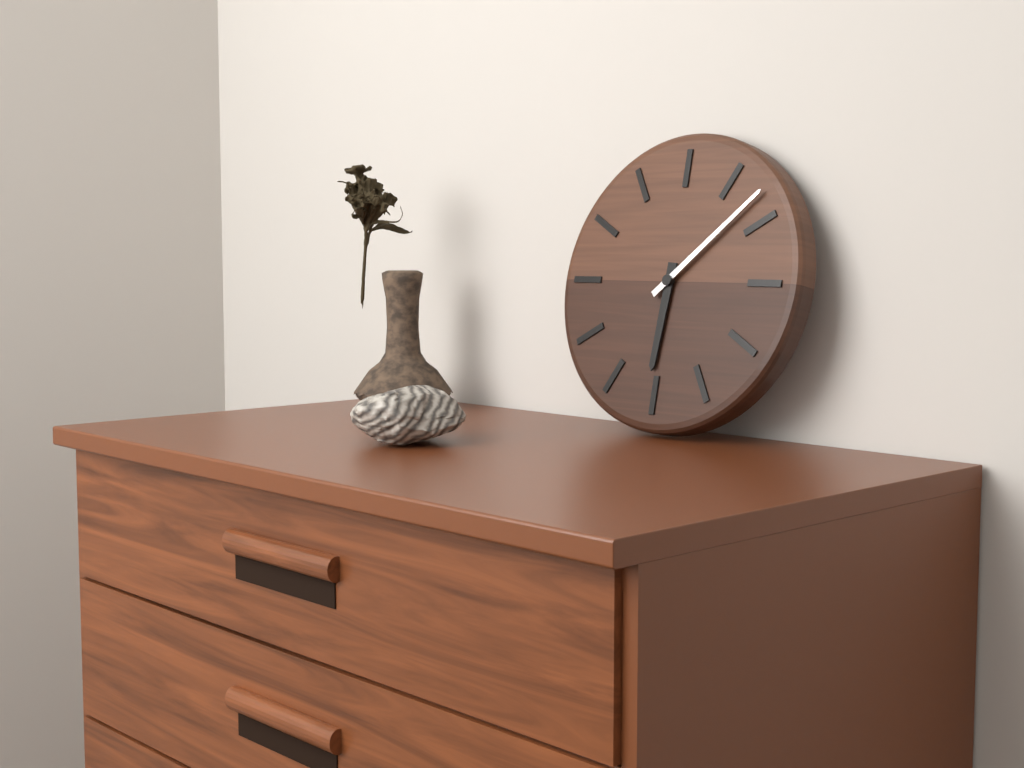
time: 6:08
